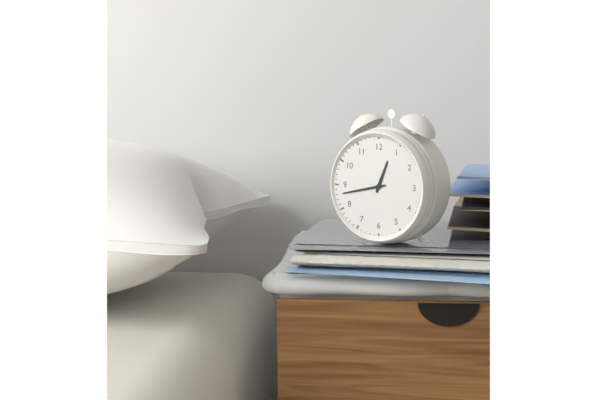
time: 12:43
